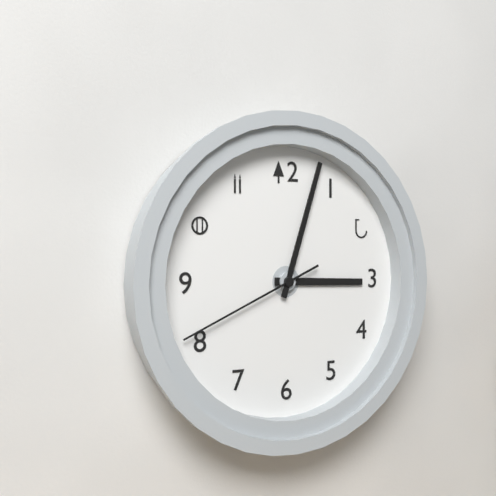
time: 3:03:41
